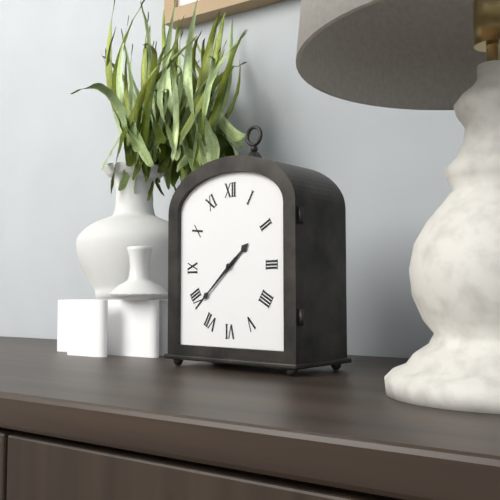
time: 1:38
